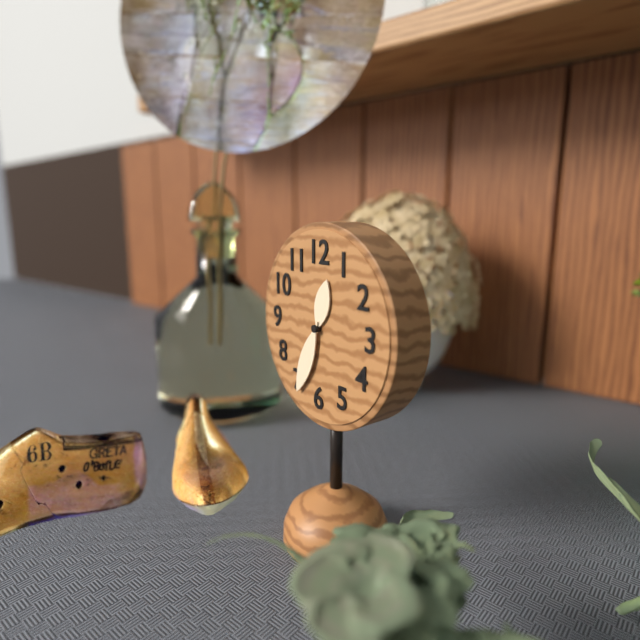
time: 12:34
